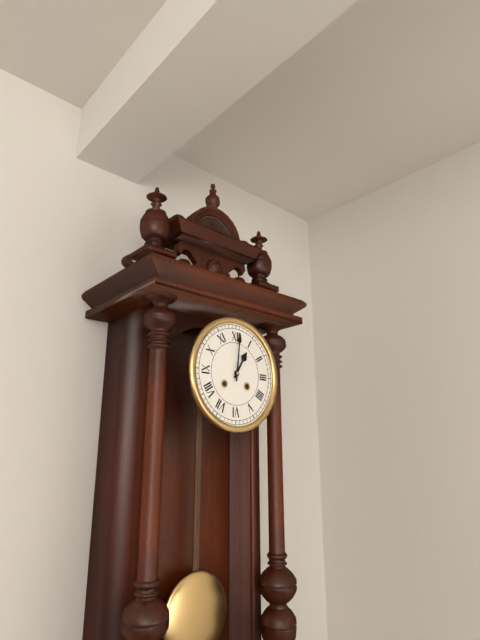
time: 1:01
